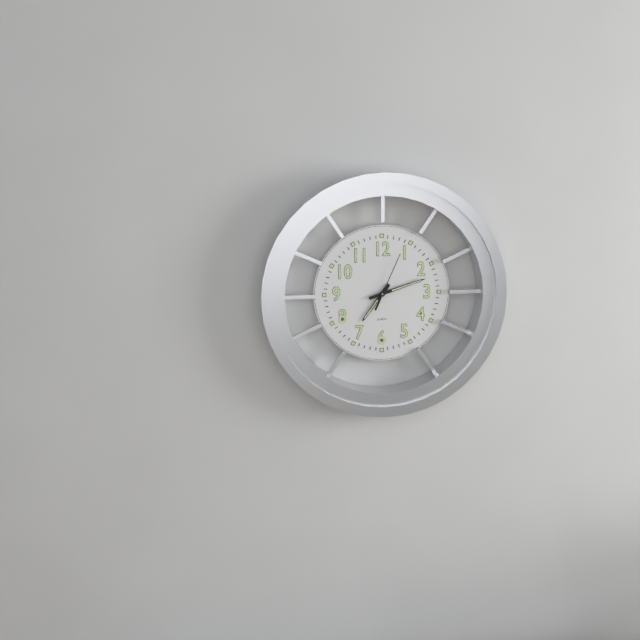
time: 7:12:04
